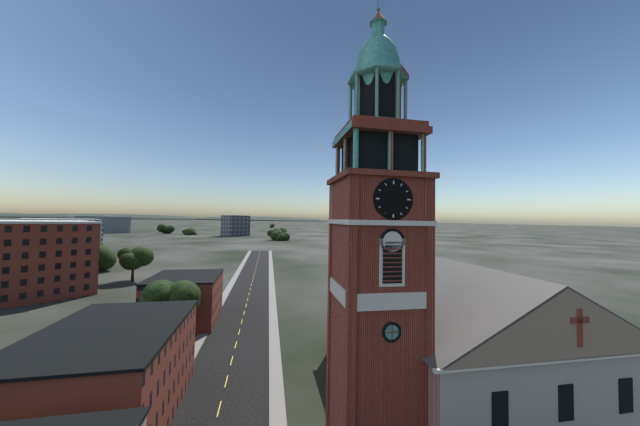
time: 8:16
